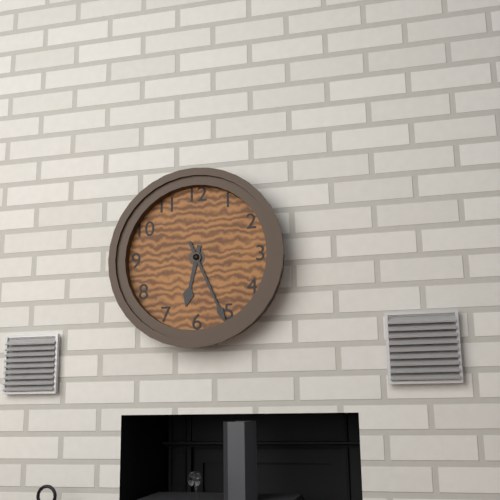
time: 6:26
